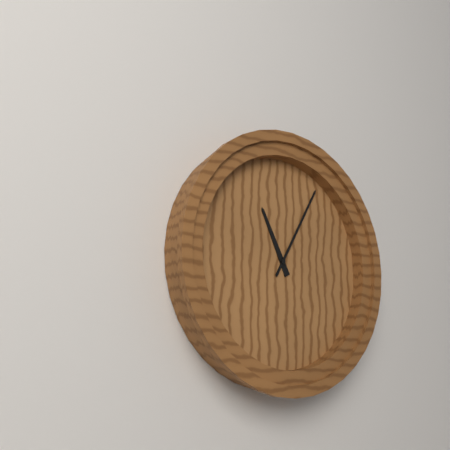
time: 11:05
